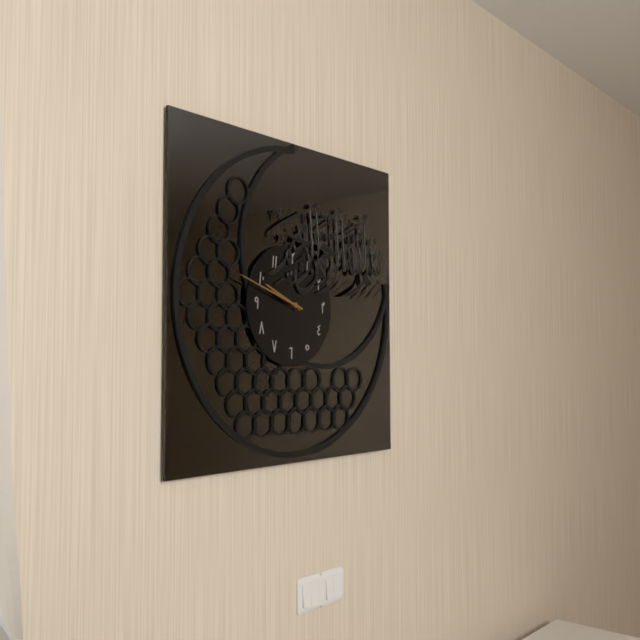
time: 9:48
